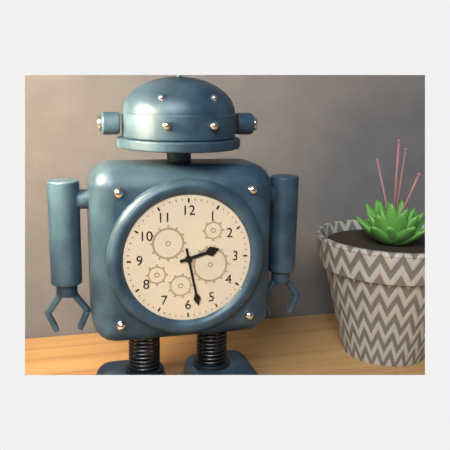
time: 2:28
